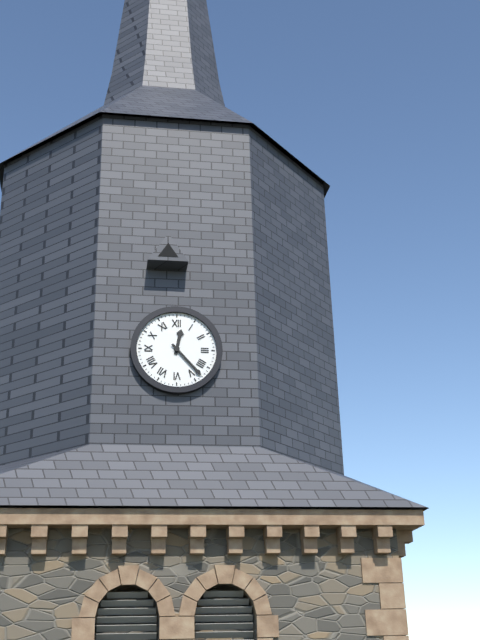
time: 12:23
